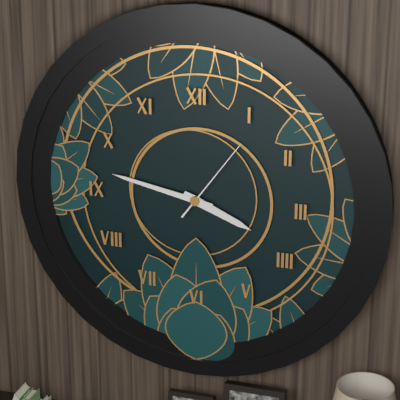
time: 3:47:06
